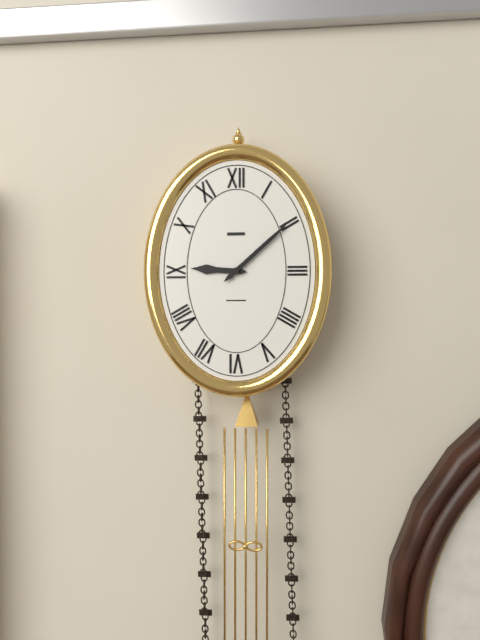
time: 9:08
